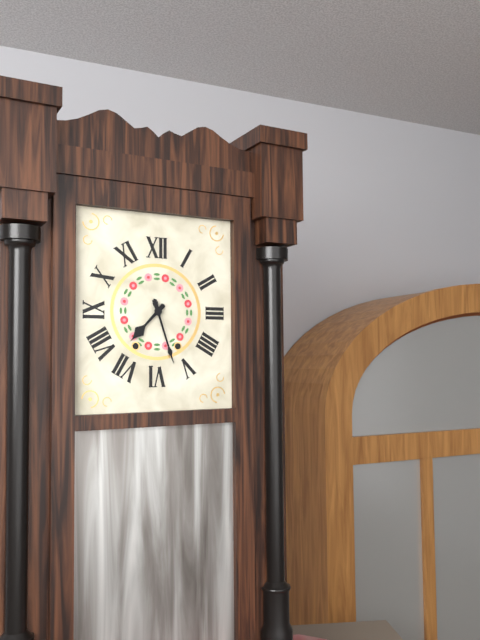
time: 7:27
